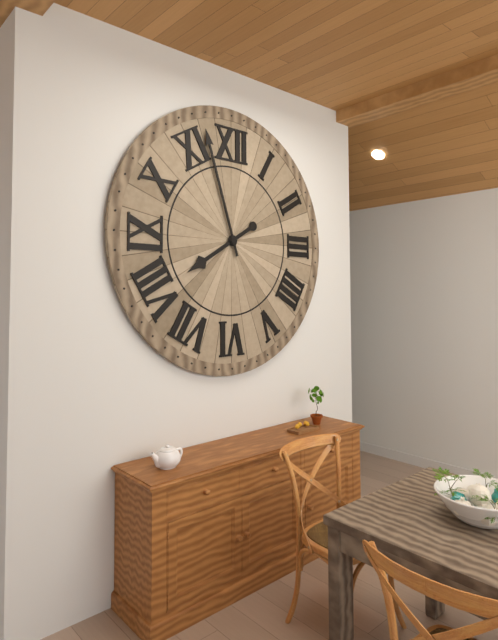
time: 7:57
